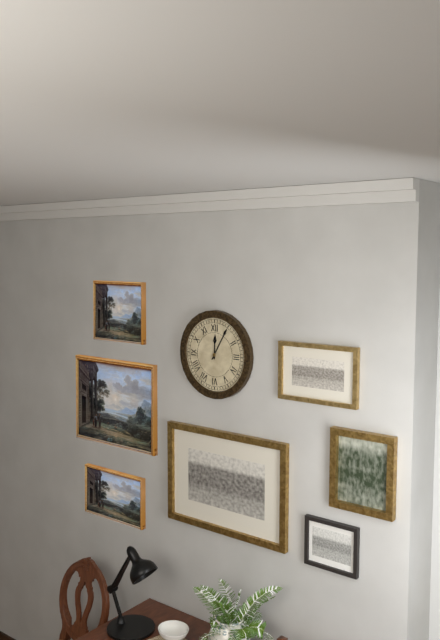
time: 12:05
